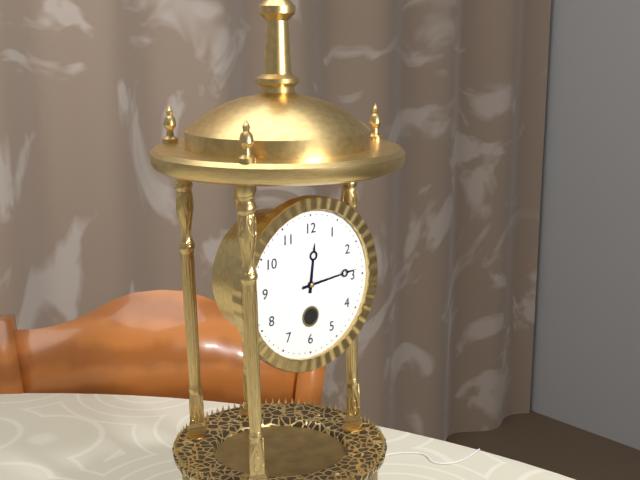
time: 12:14
